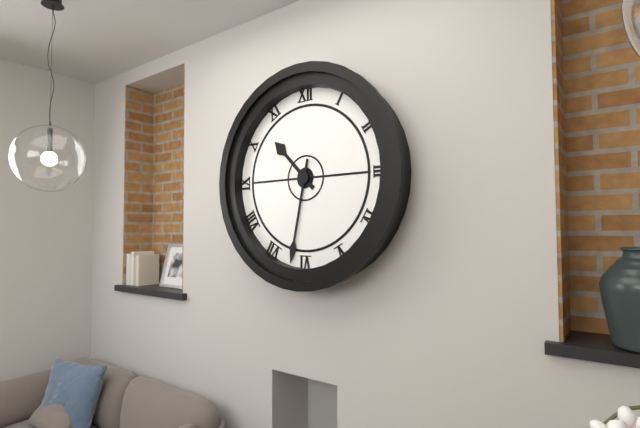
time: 10:32
